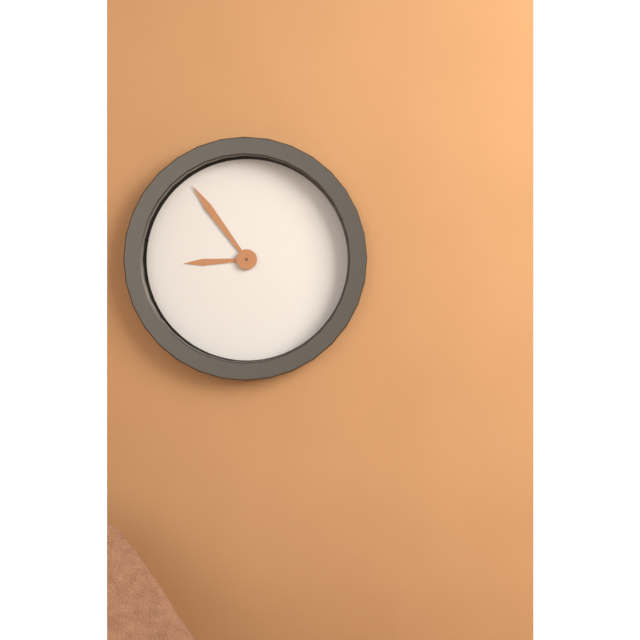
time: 8:54
